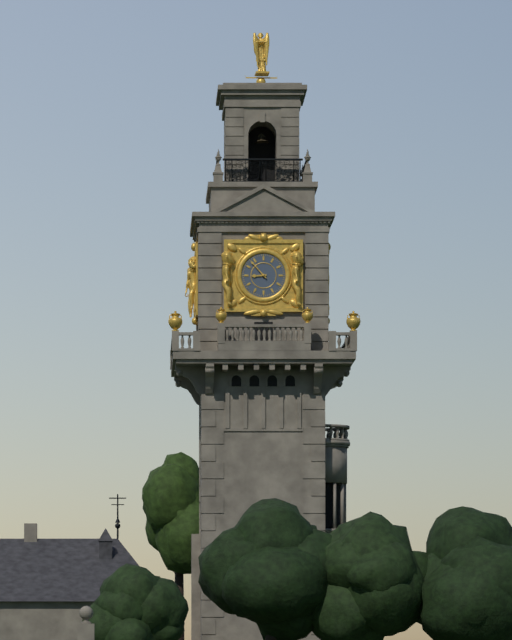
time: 8:53
